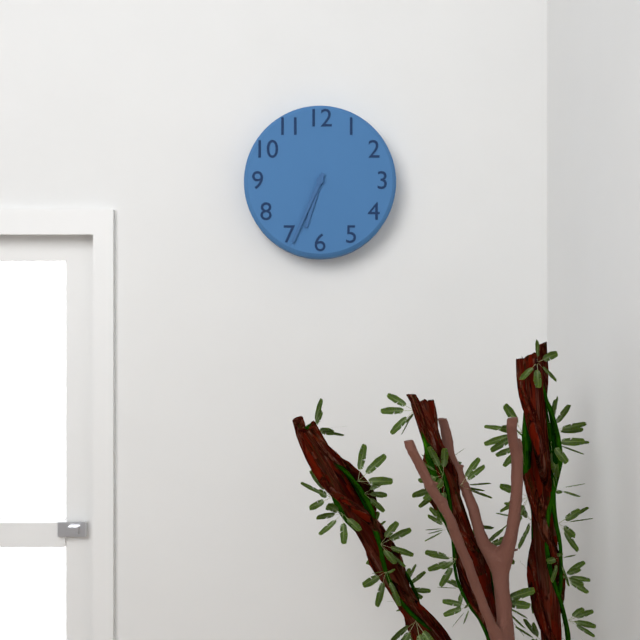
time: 6:34
